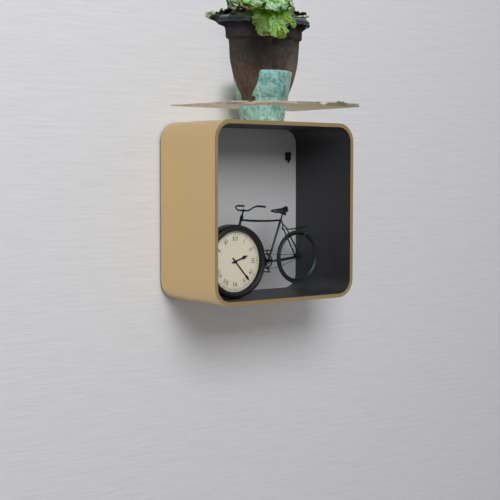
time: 2:23
